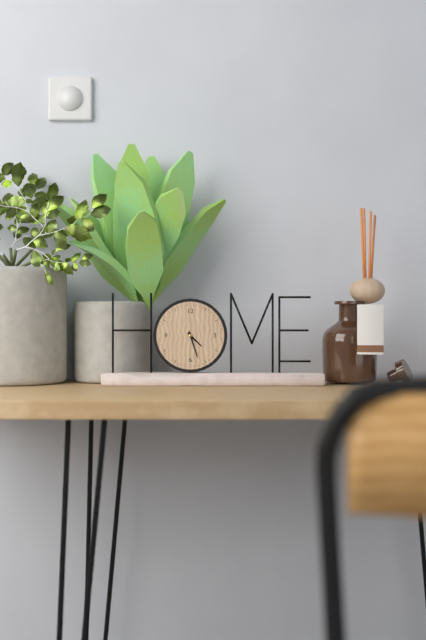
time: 4:27
